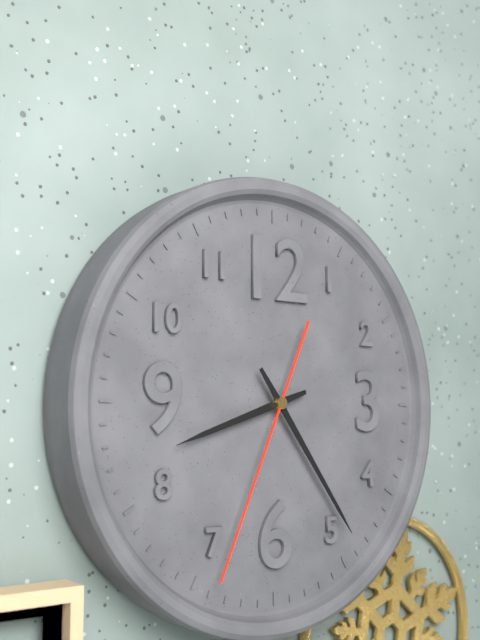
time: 8:24:34
